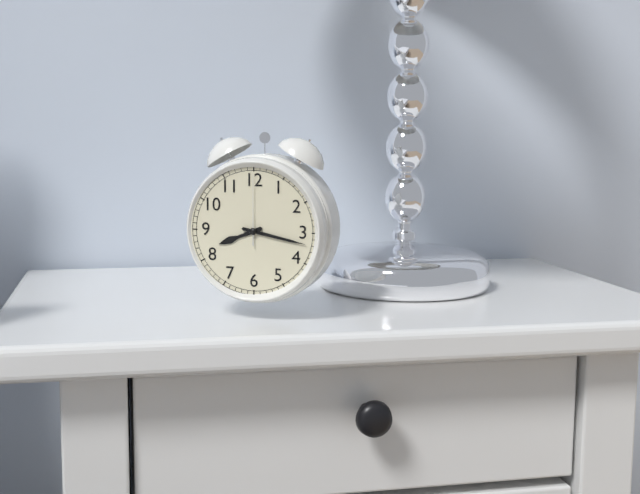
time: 8:17:00
